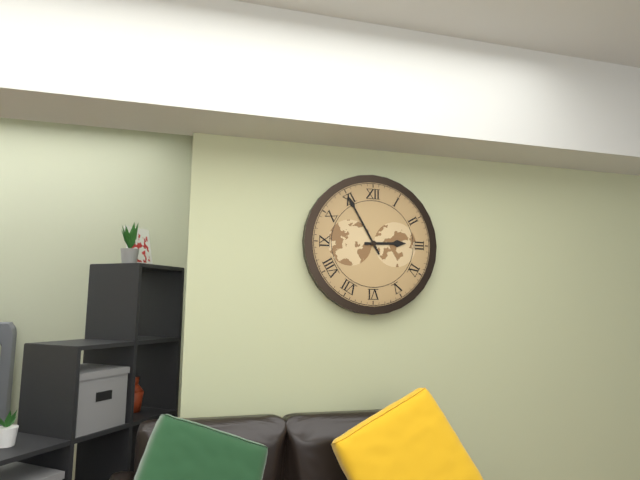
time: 2:55
